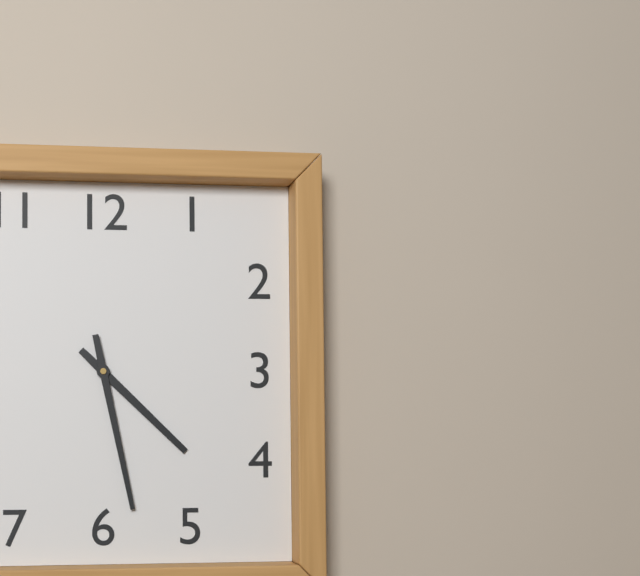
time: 4:28
